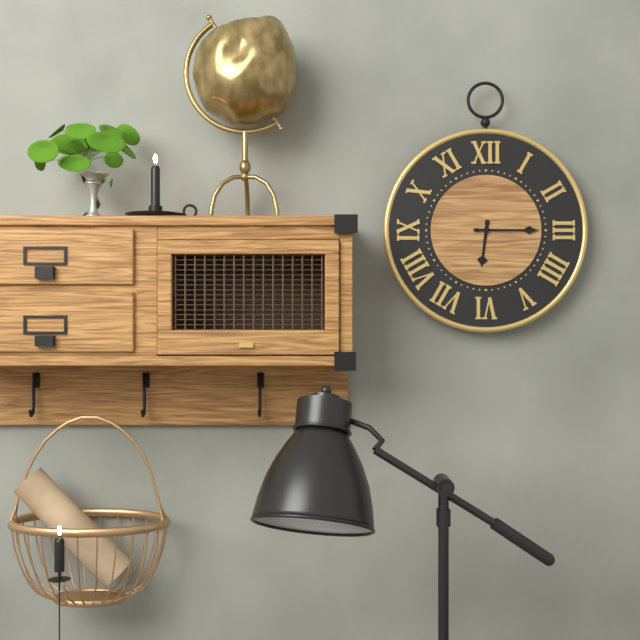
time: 6:15
